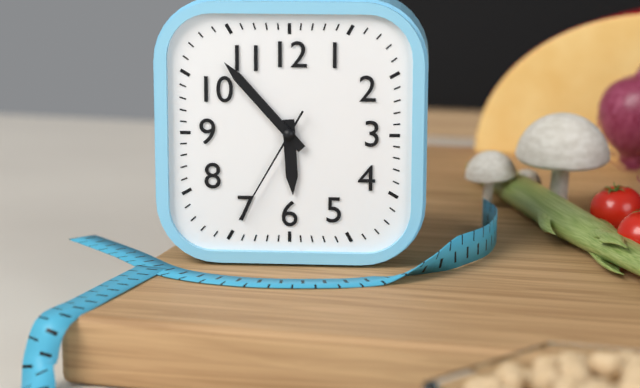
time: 5:53:35
